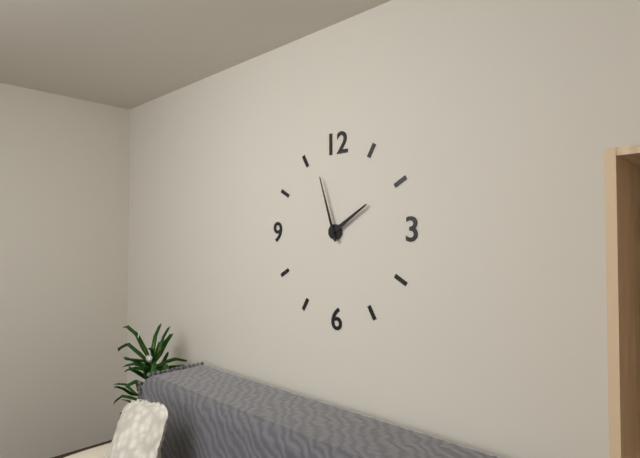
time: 1:57
